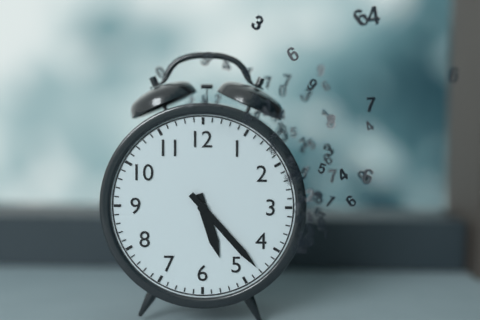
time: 5:23
